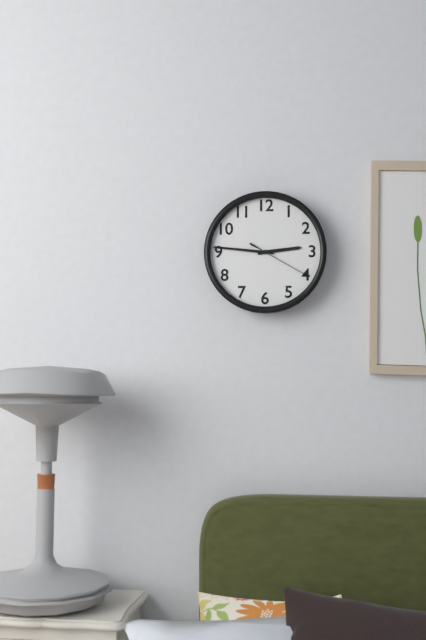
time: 2:46:20
